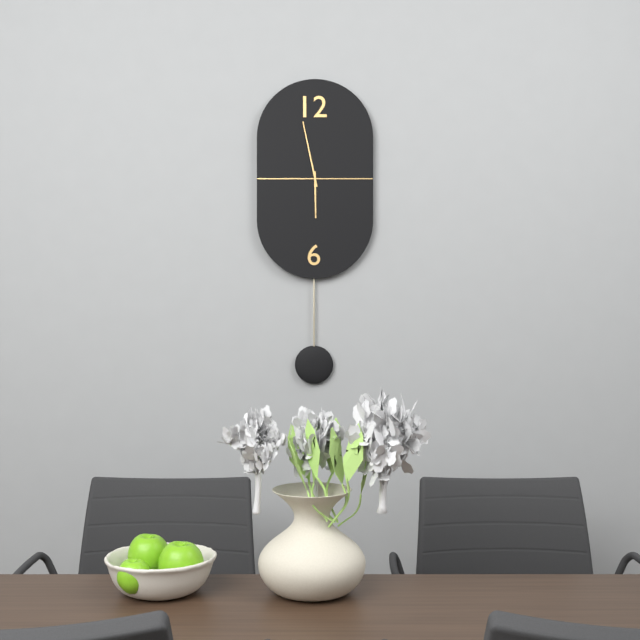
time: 5:58
